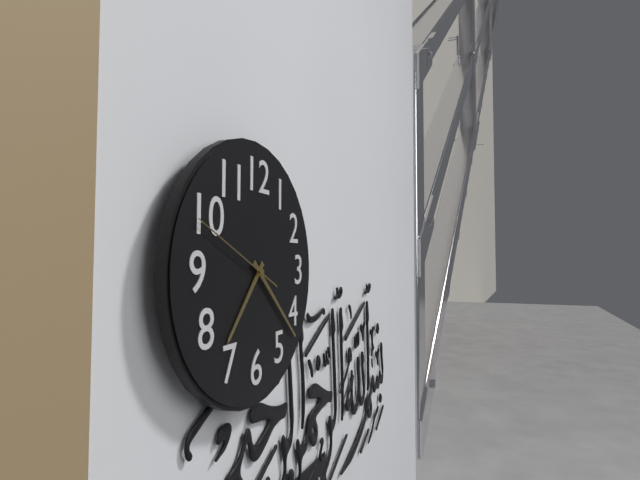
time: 7:22:49
